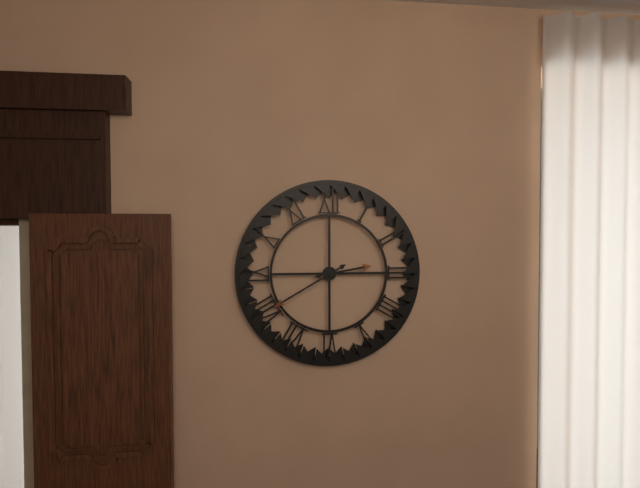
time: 2:40
